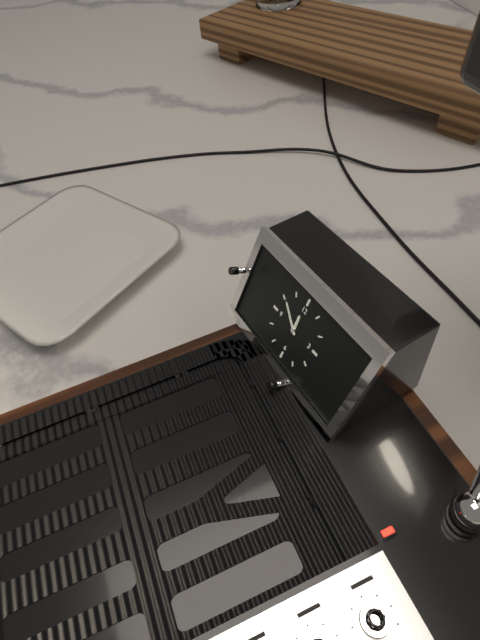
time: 11:51
